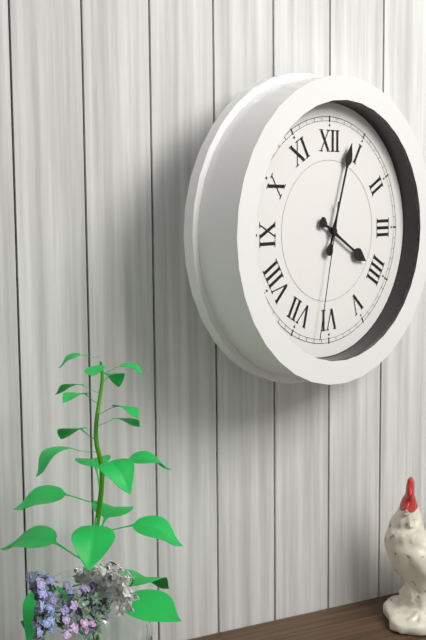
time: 4:03:32
